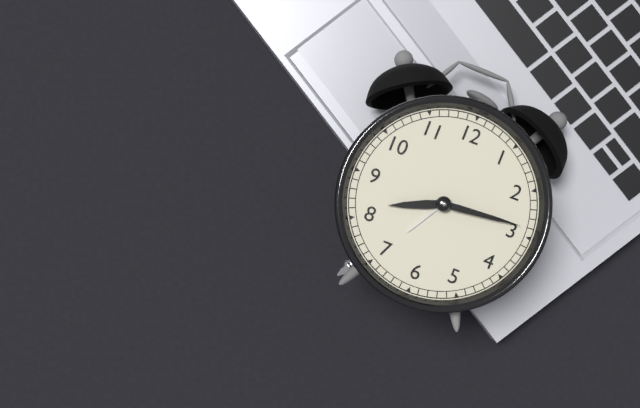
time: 8:14
